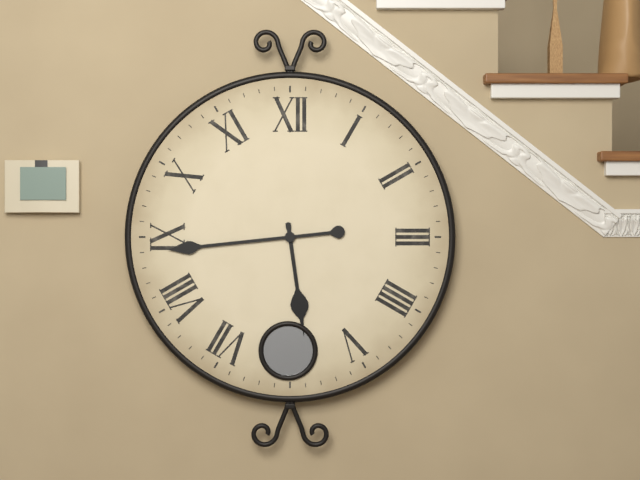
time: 5:44
